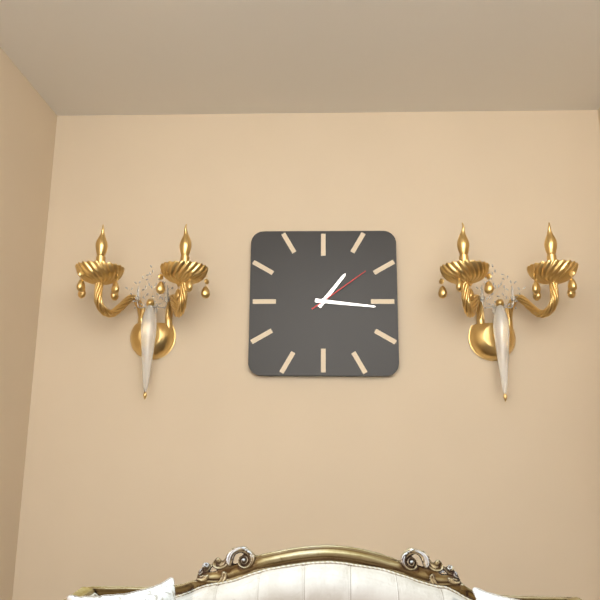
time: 1:16:09
